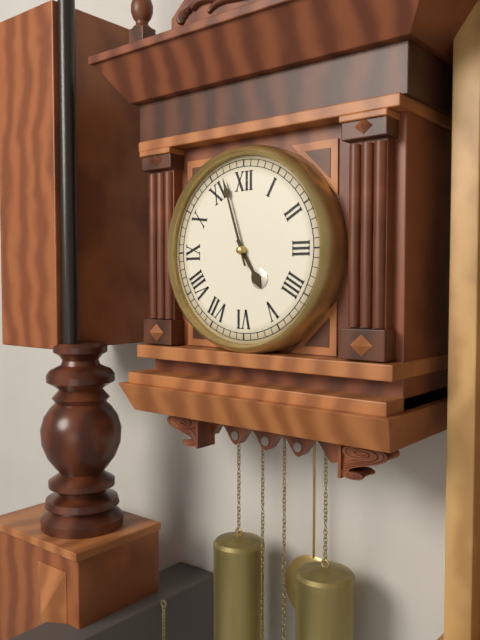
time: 4:57
